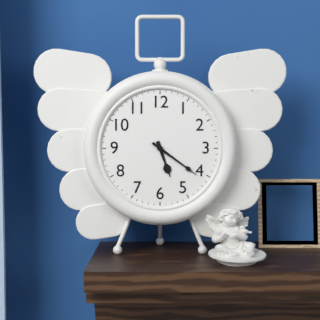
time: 5:21
